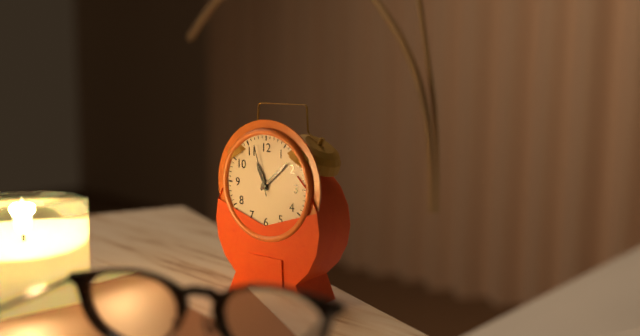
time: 11:08:57
